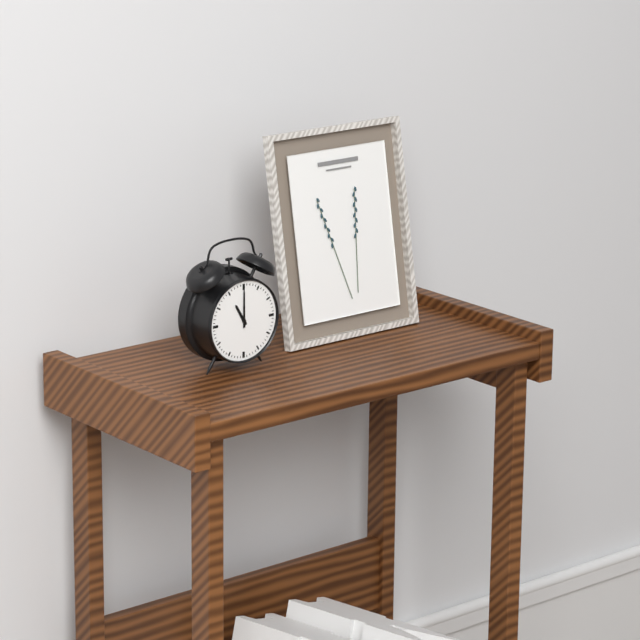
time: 11:00
